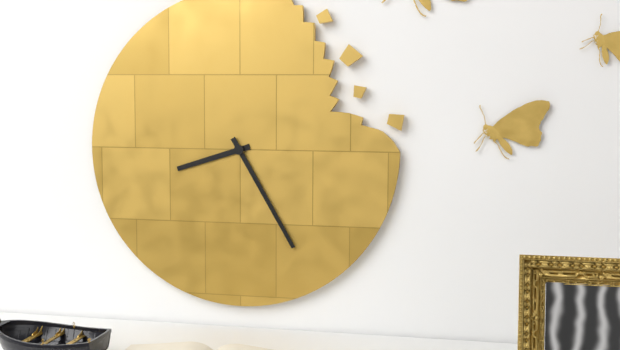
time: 8:25
